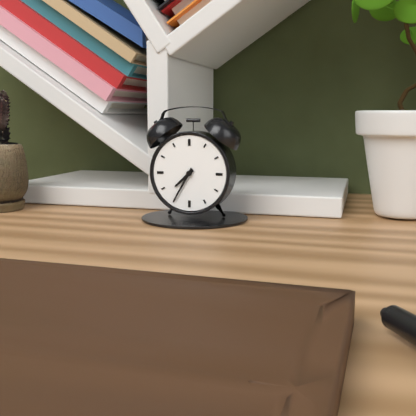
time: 7:35
